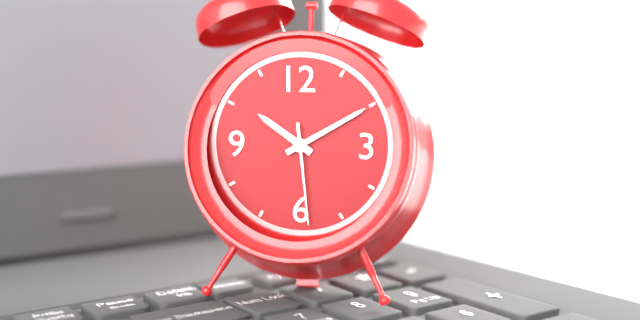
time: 10:10:29
